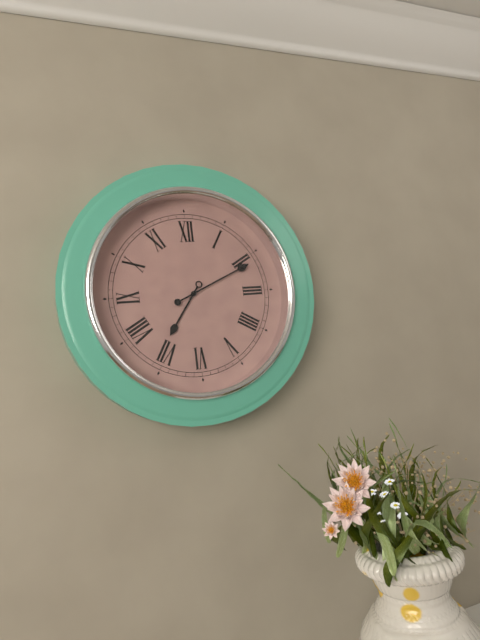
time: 7:11
